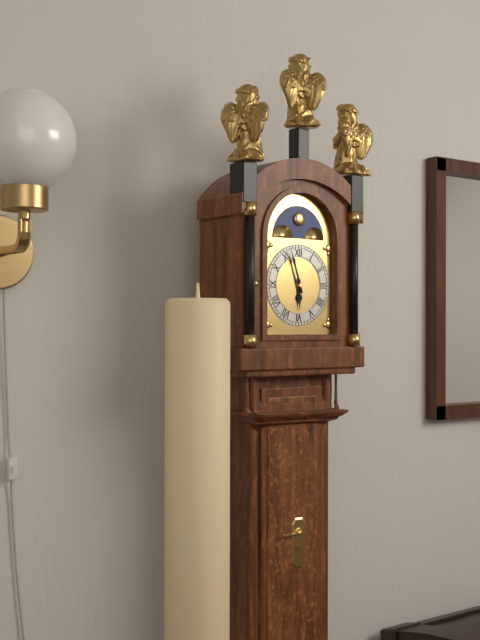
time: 5:57
